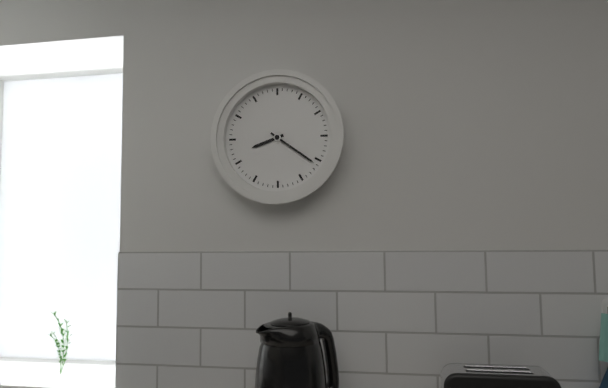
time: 8:21
